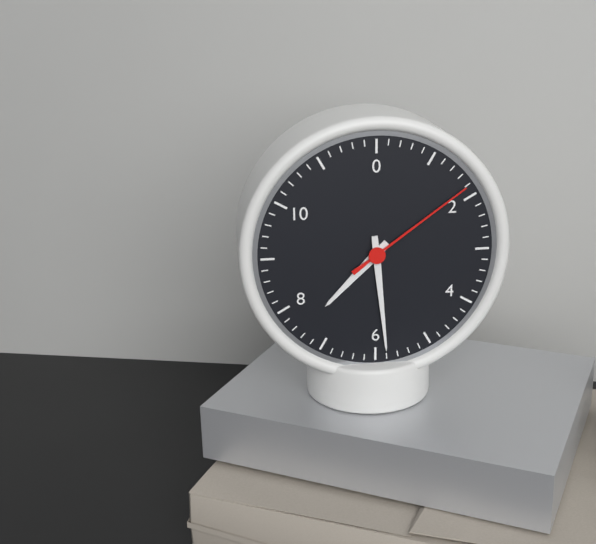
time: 7:29:09
